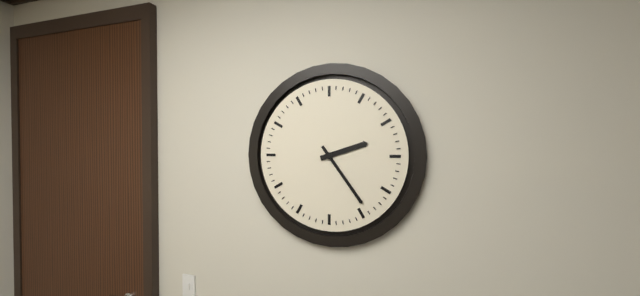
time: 2:24
